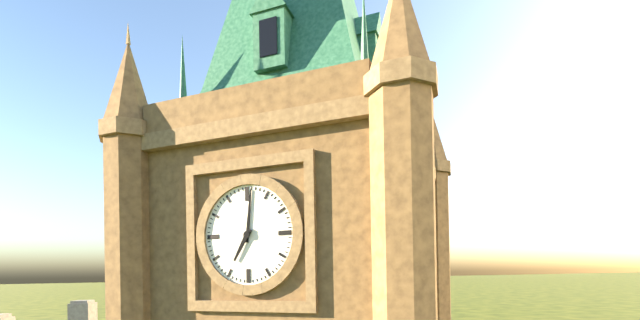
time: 7:01
